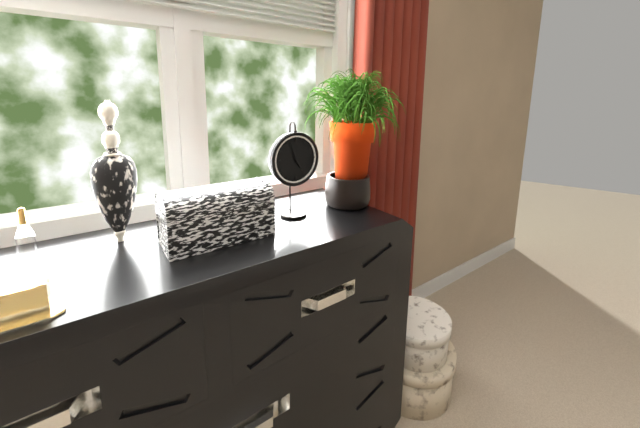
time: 4:57
